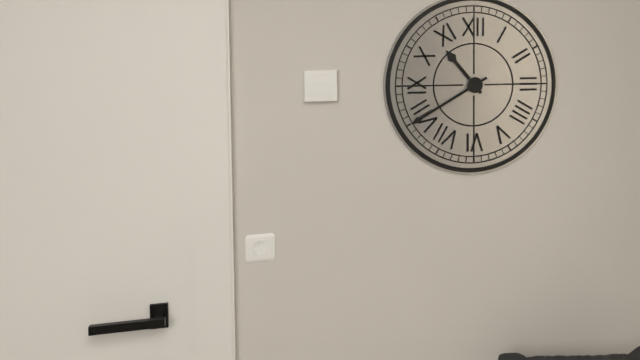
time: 10:40
